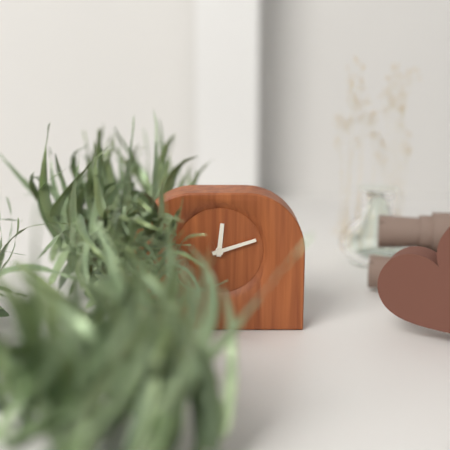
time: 12:12
